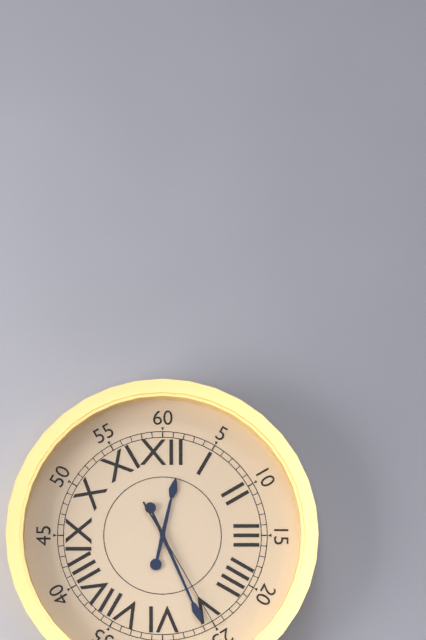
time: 12:26:25
